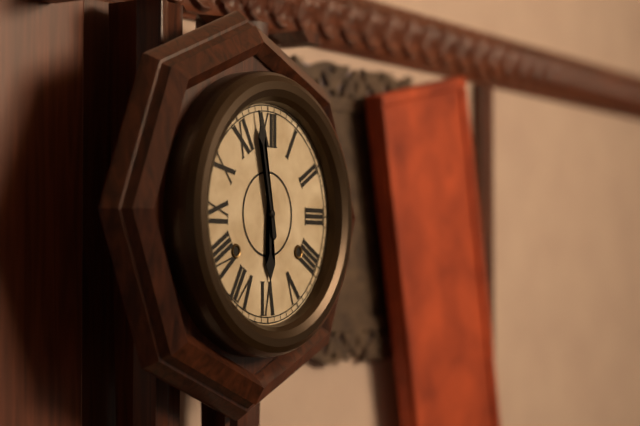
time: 5:58
